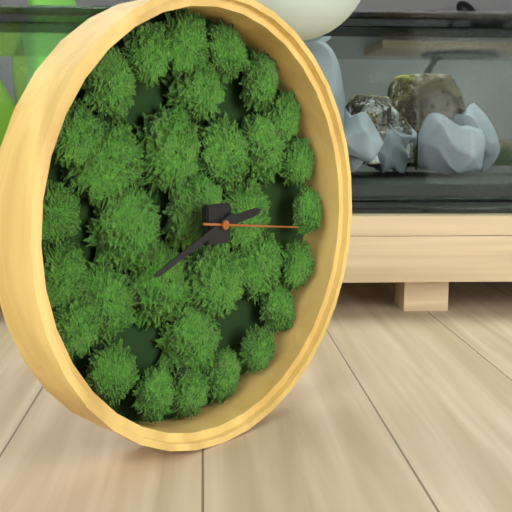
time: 2:41:16
